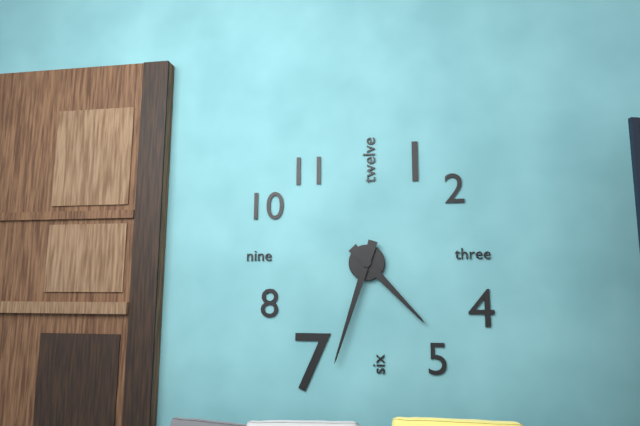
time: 4:33
